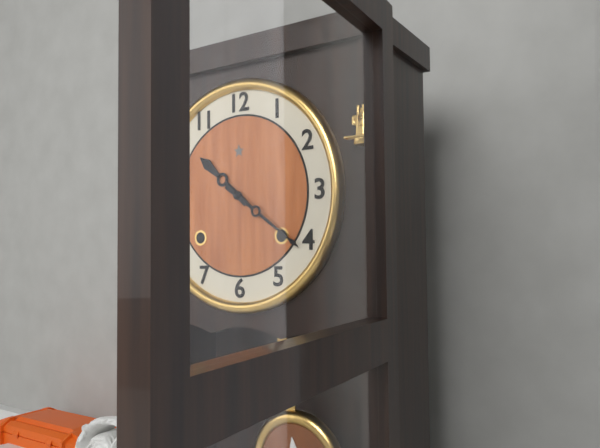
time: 10:21
